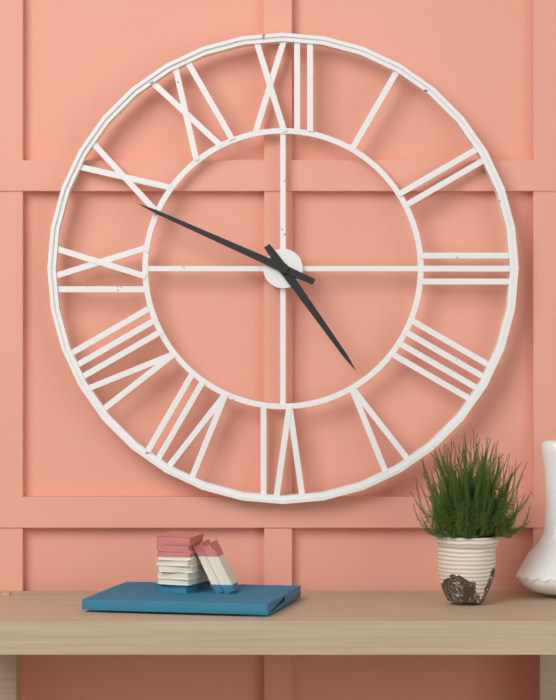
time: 4:49
